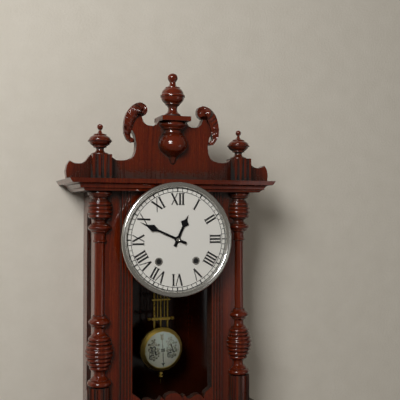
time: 12:49
